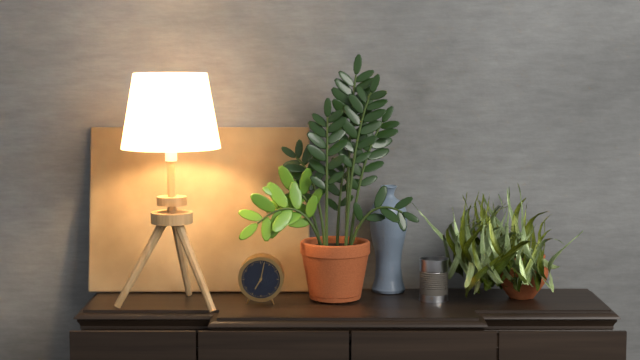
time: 7:02
